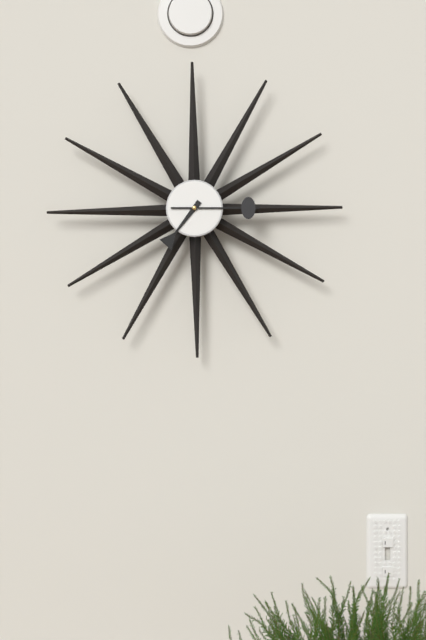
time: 7:15
